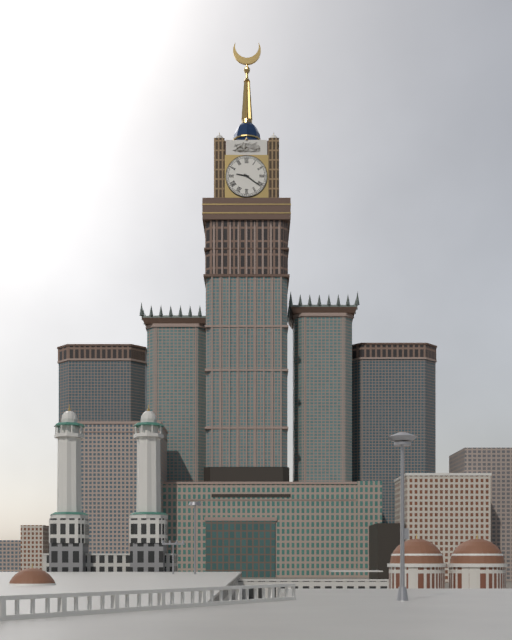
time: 9:21
